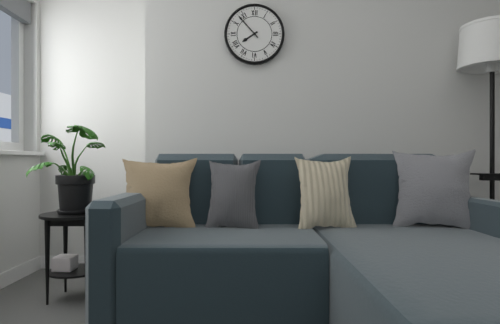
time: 7:53
